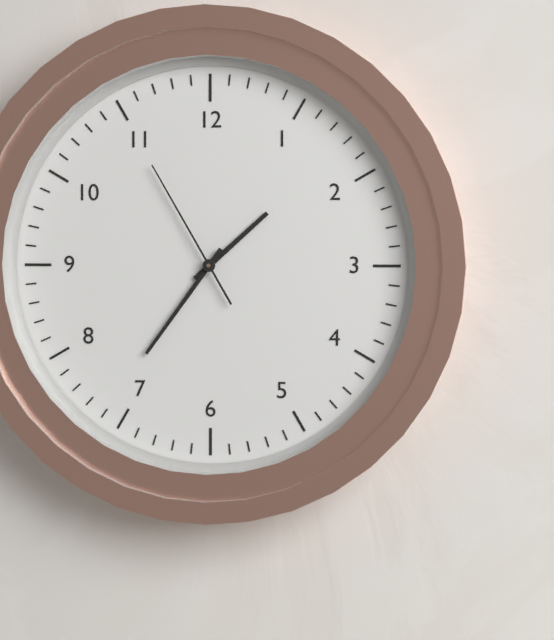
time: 1:36:55
